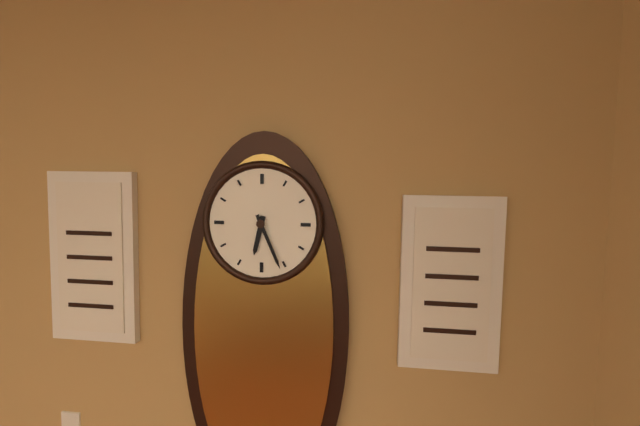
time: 6:26
